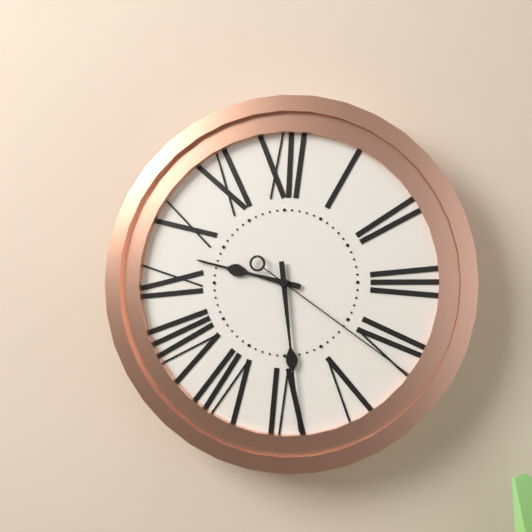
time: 9:29:21
